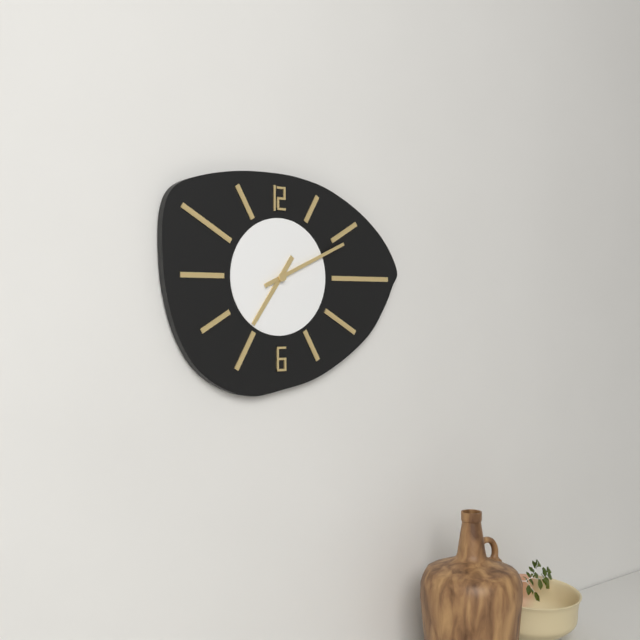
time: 7:11
